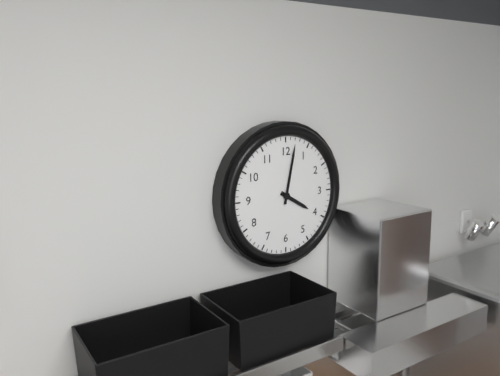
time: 4:02
